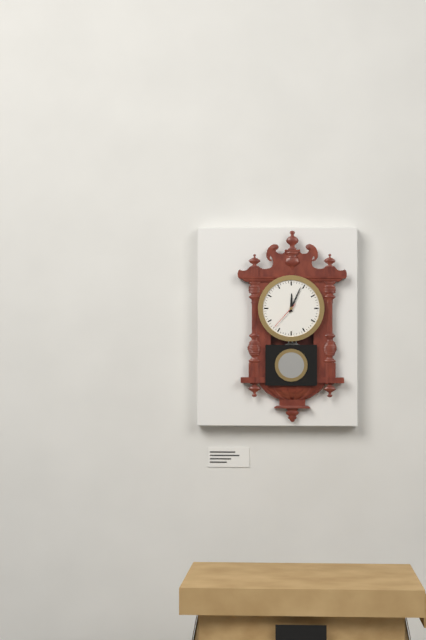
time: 12:04
